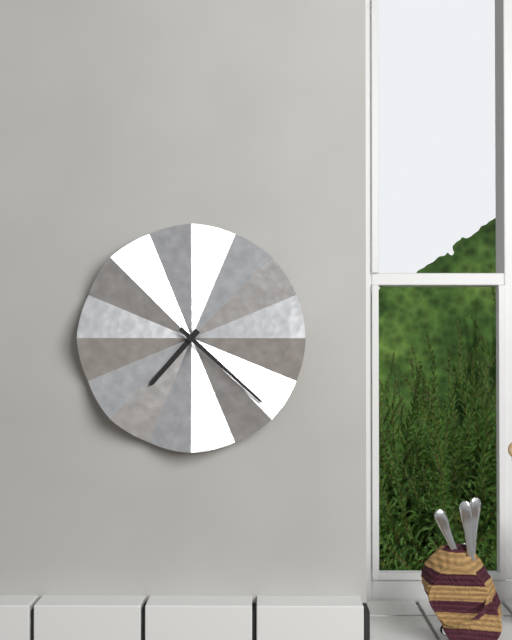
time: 7:22
